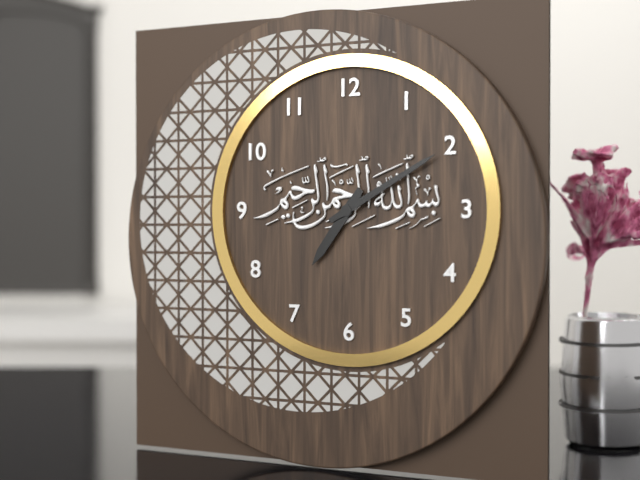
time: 7:10
